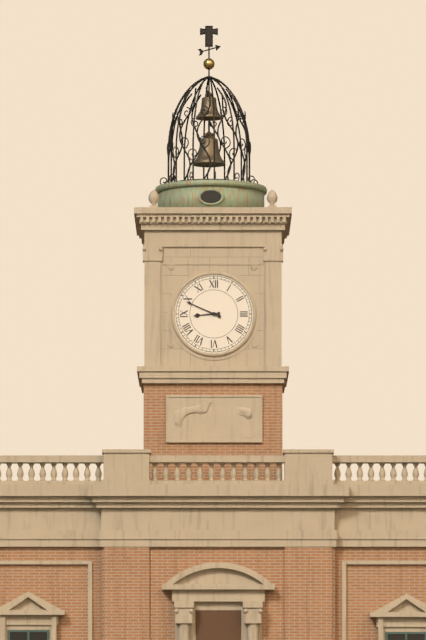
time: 8:49
